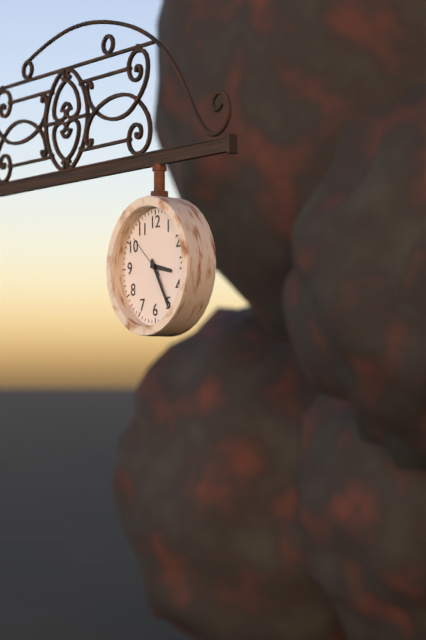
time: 3:25
